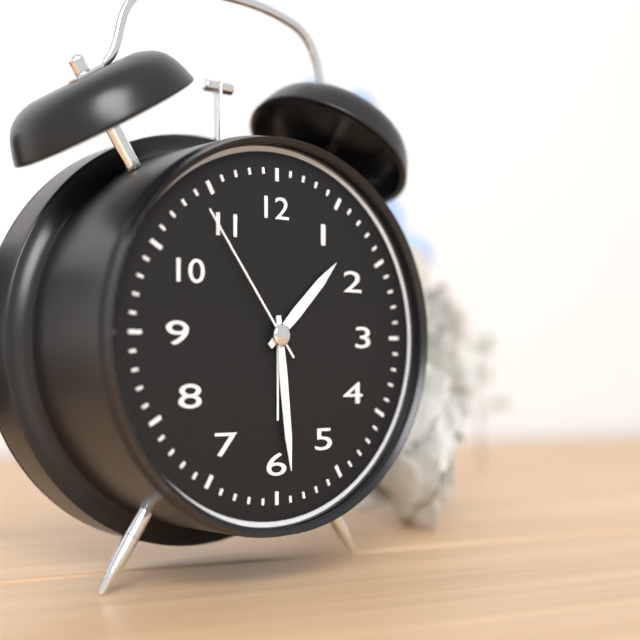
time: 1:29:54
